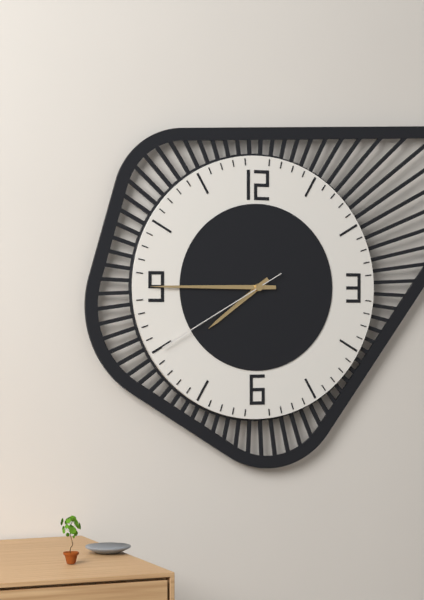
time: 7:45:40
